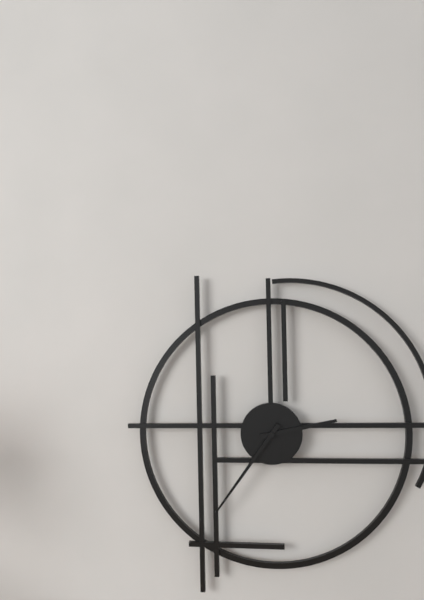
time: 2:36
